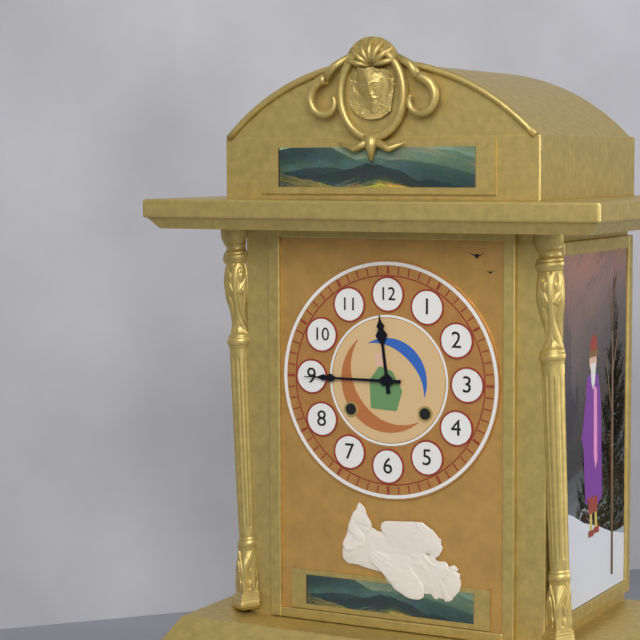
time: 11:45
